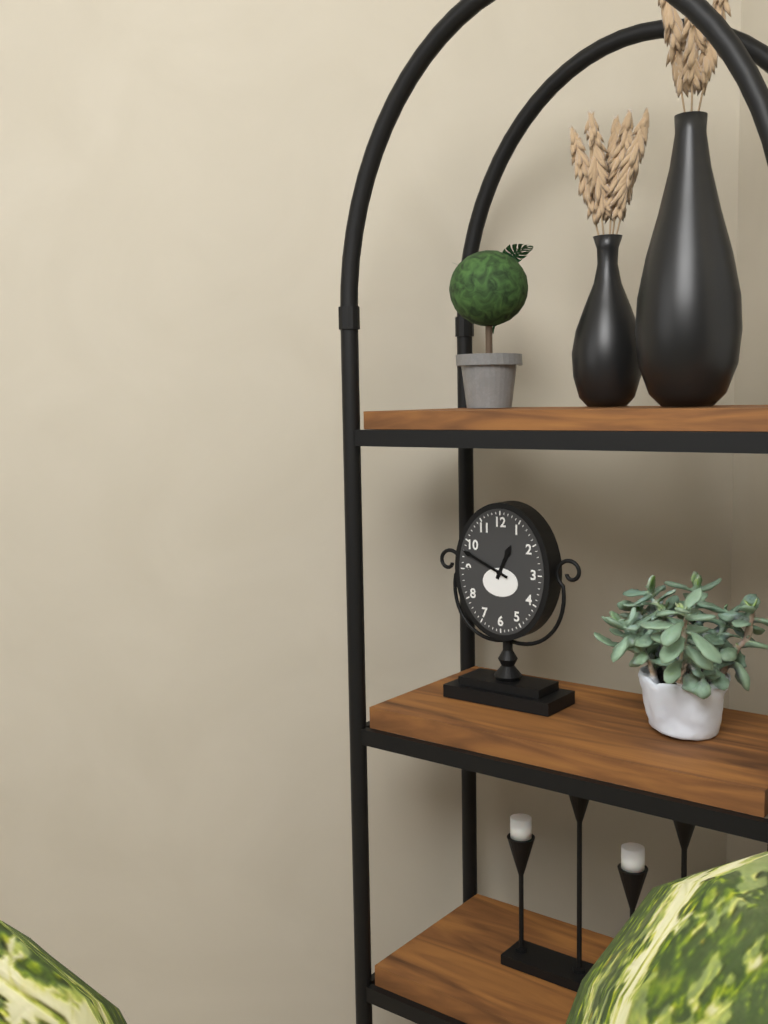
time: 12:49
